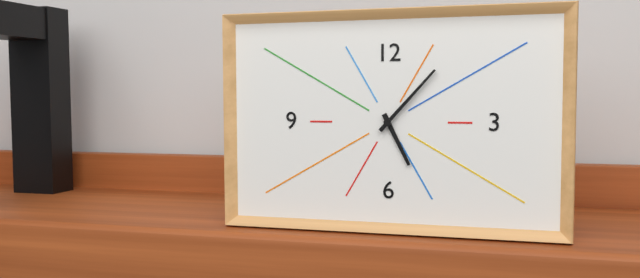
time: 5:07
